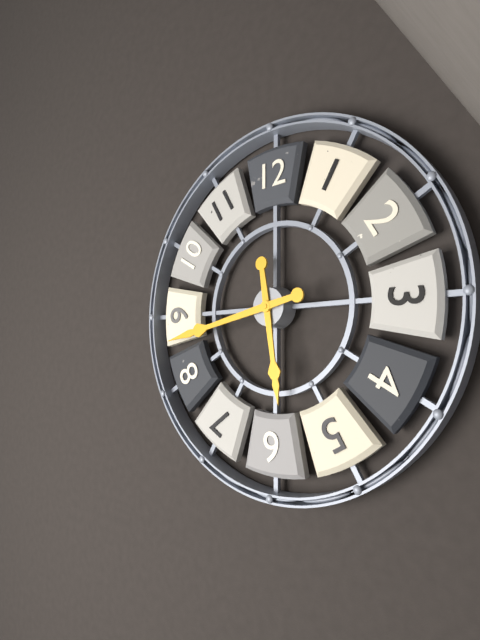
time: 5:43
